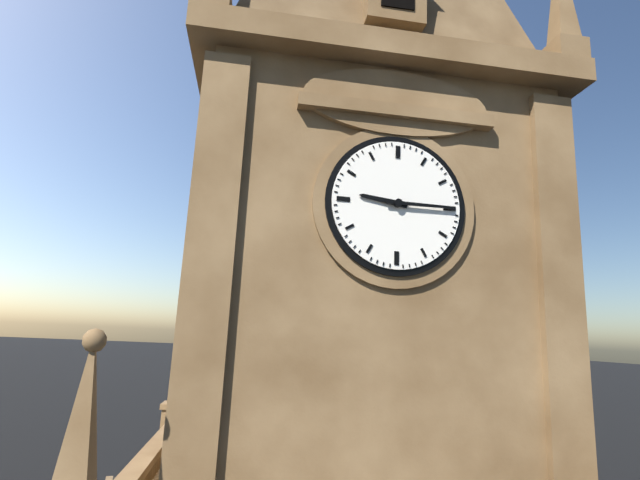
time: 9:15
